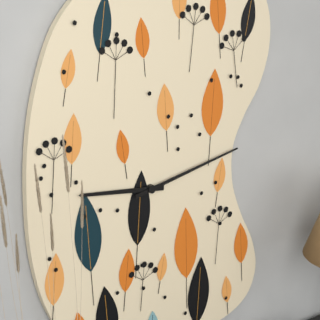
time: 9:13
